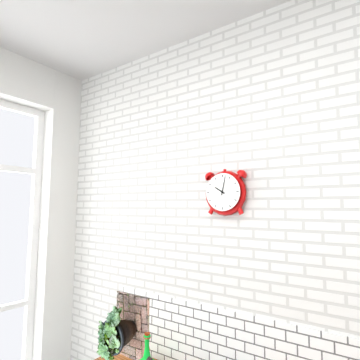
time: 10:02
